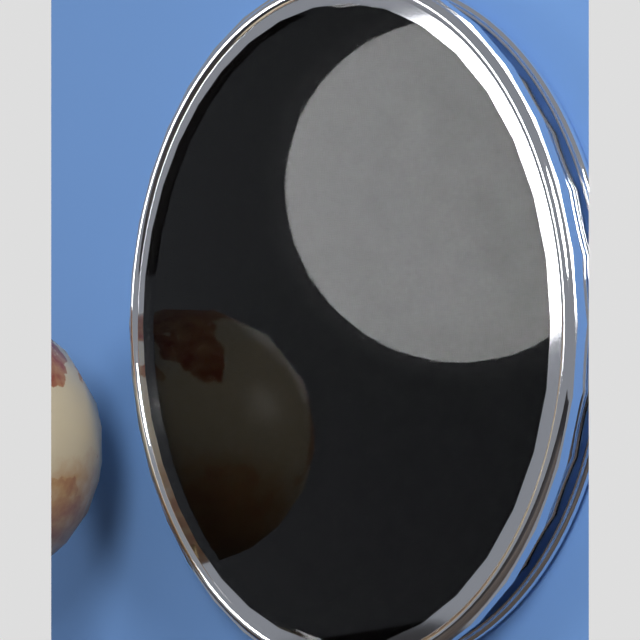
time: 7:31
